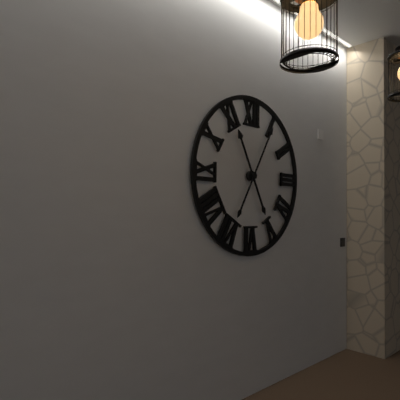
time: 11:05
